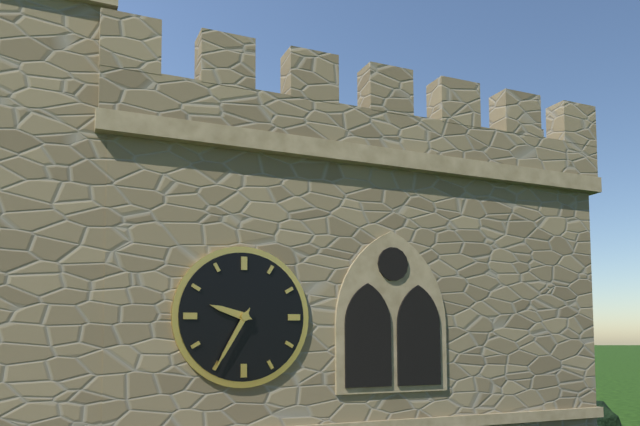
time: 9:35
